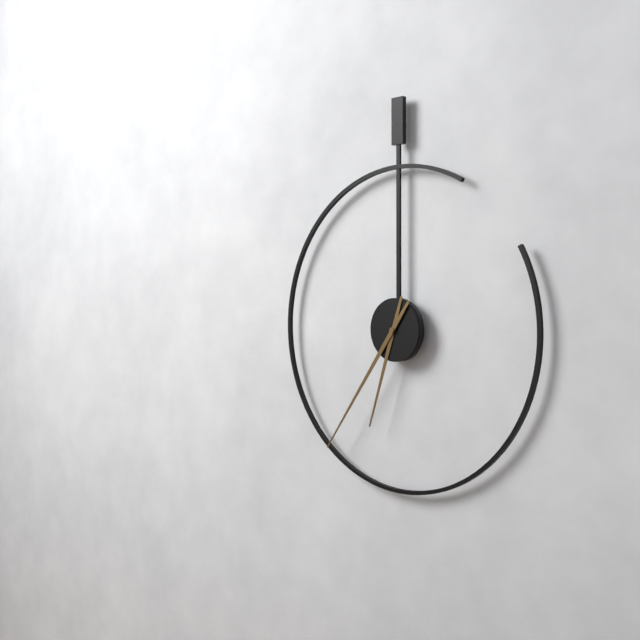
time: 6:36
